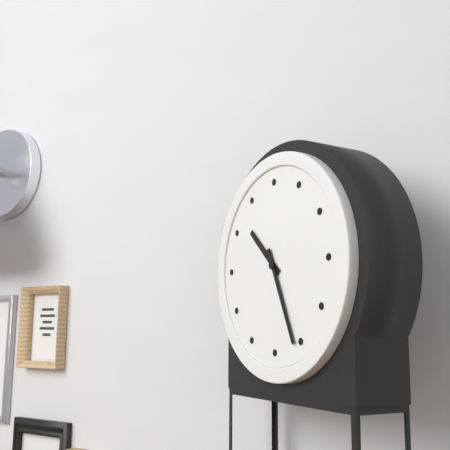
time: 10:26
